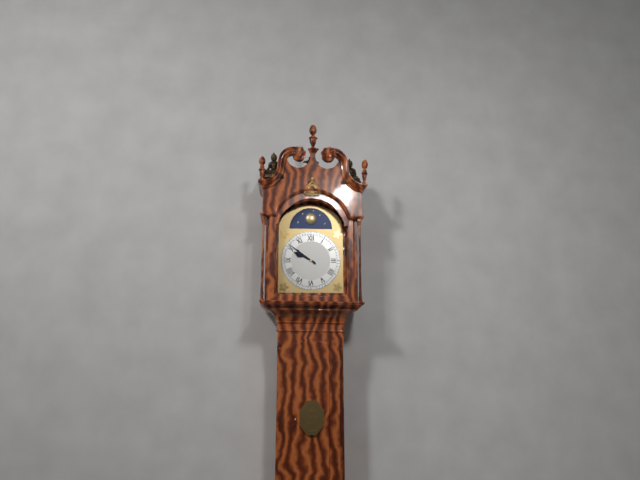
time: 9:51
